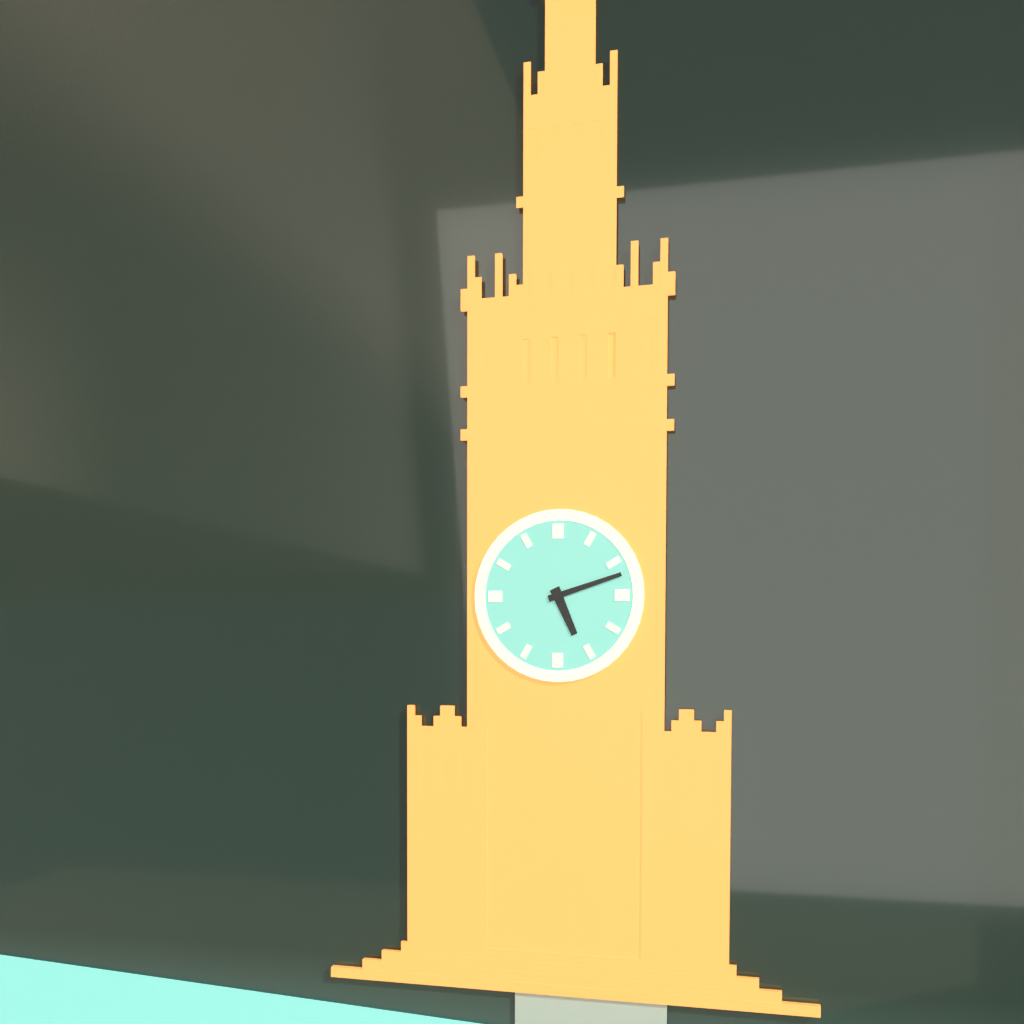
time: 5:12
